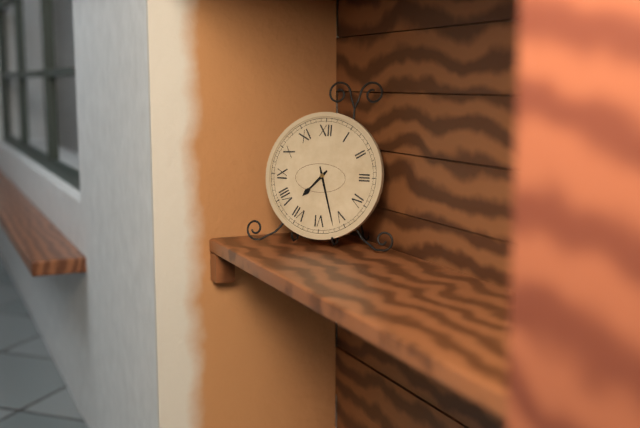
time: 7:27
